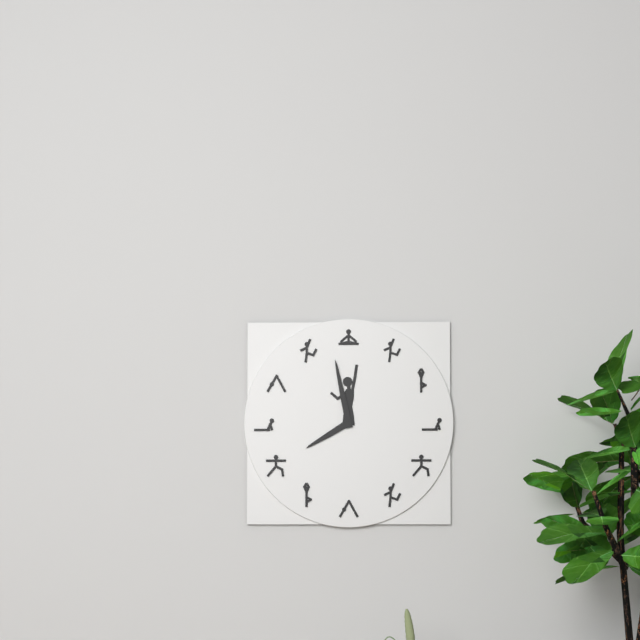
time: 7:58
